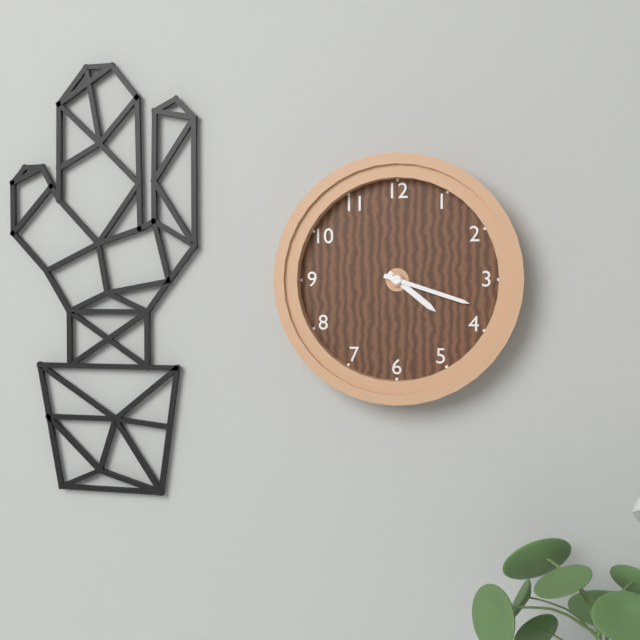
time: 4:18
